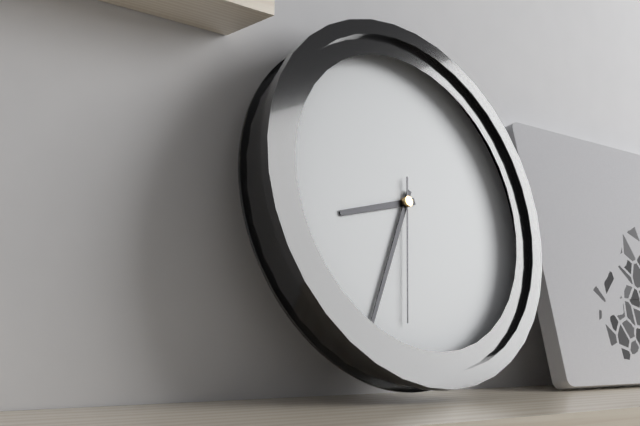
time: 8:35:32
